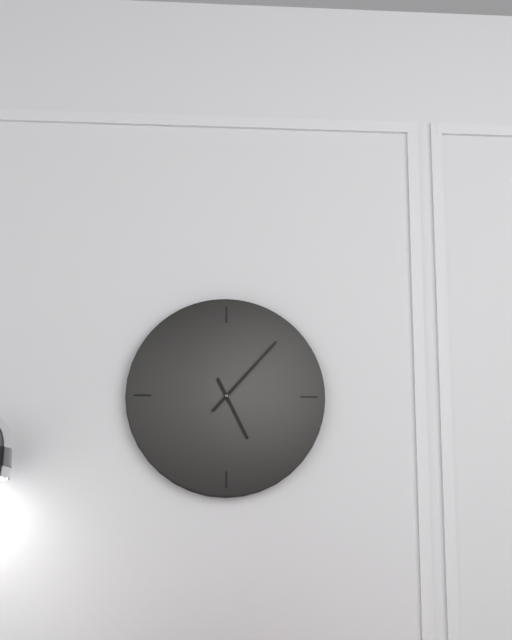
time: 5:07
